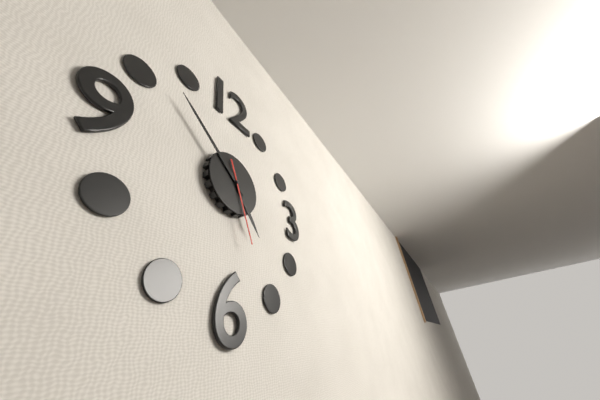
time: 4:52:27
